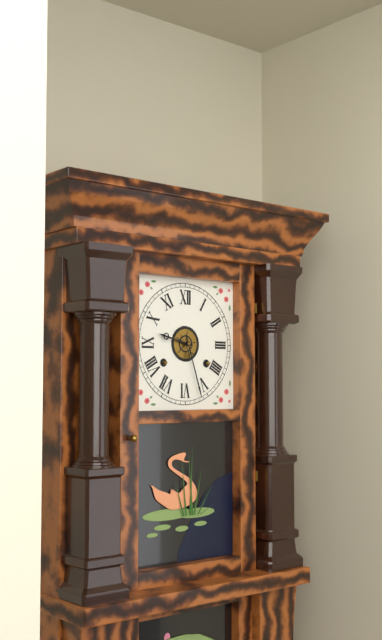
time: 9:27
